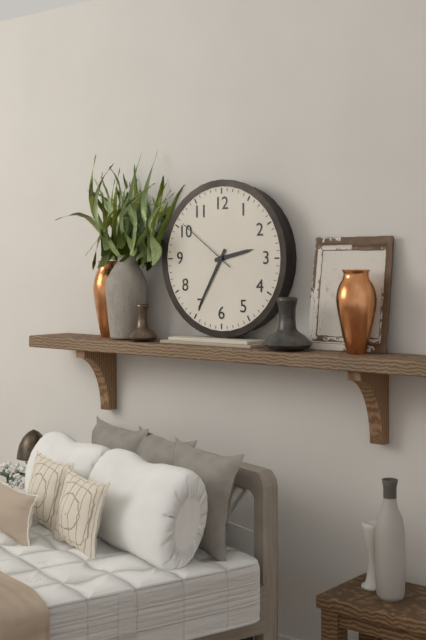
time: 2:35:51
